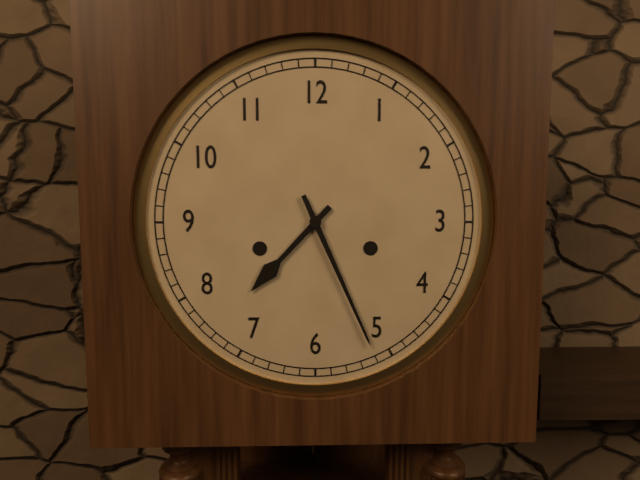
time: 7:26
